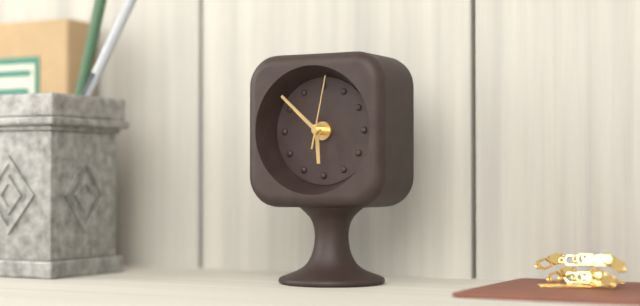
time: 5:52:02
